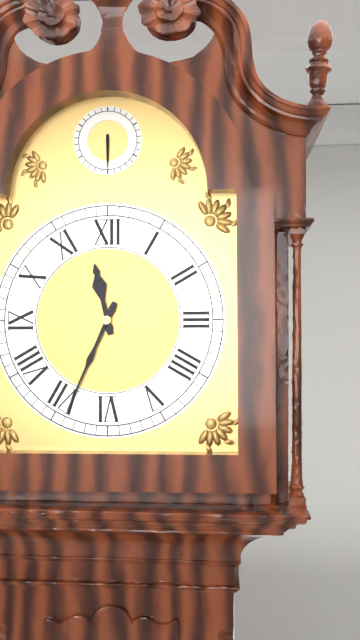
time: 11:34
